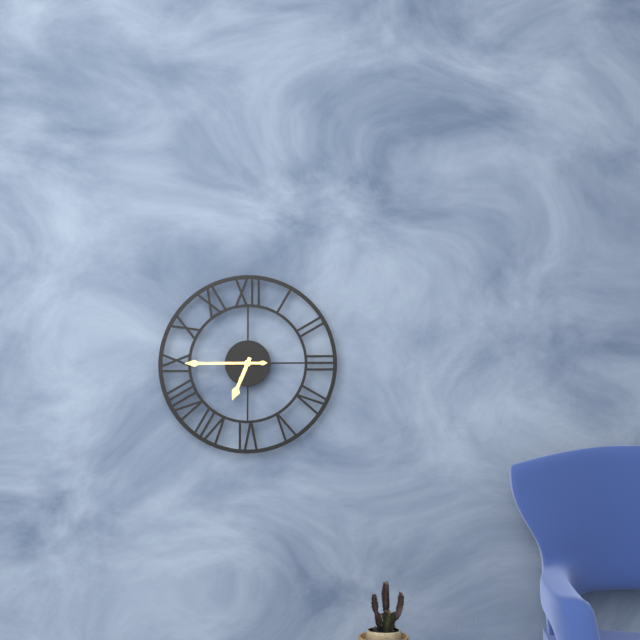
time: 6:45
